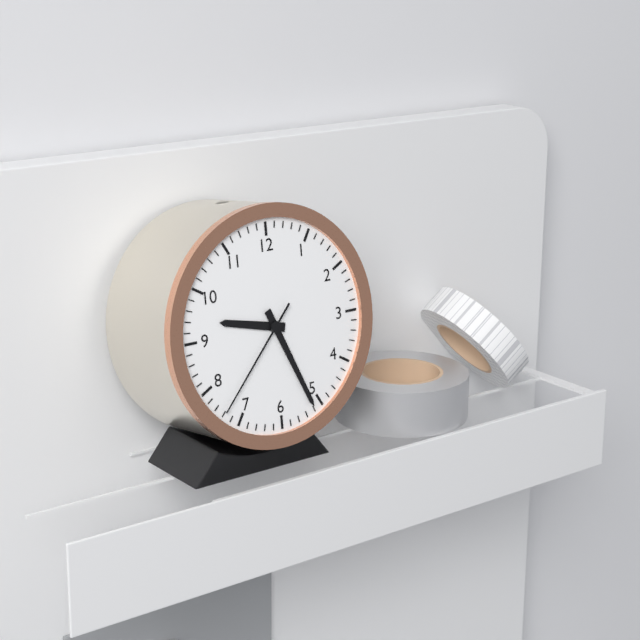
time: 9:26:37
